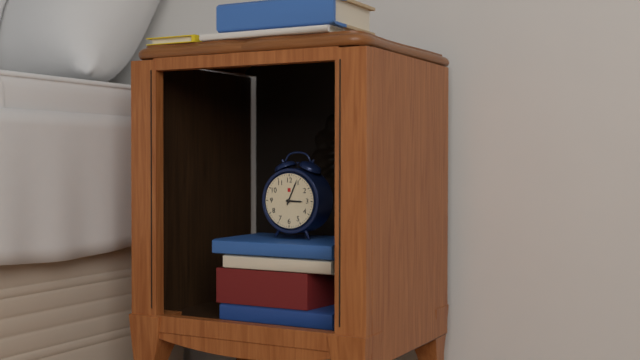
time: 3:04
